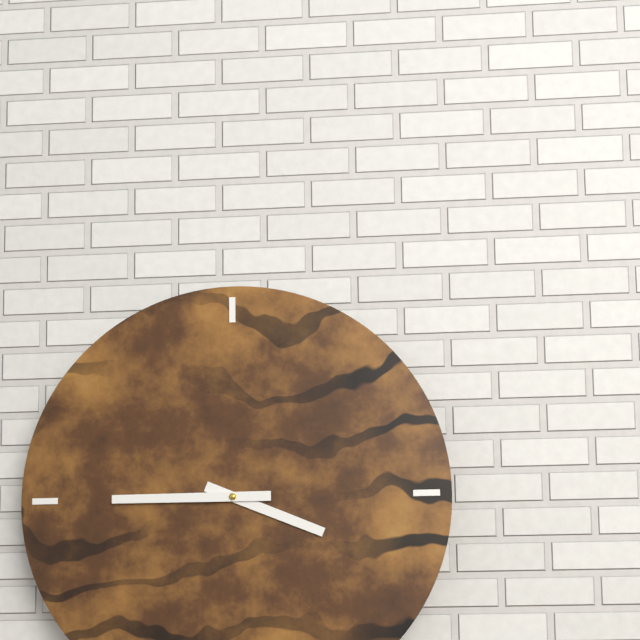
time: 3:45
